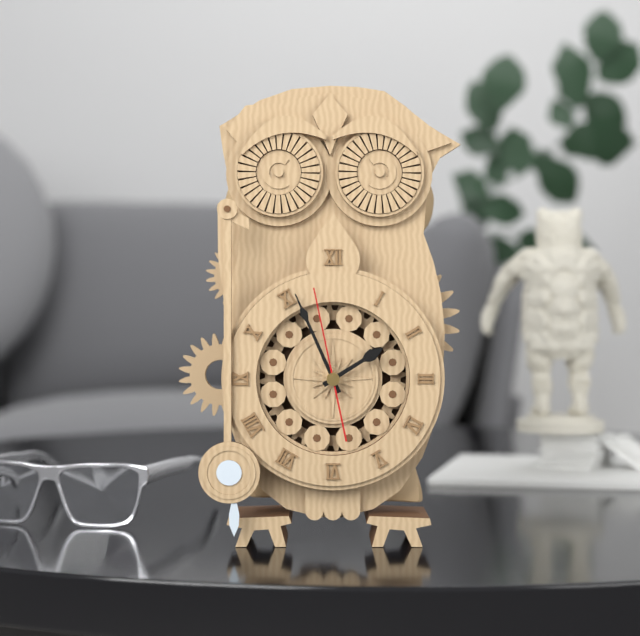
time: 1:56:58
